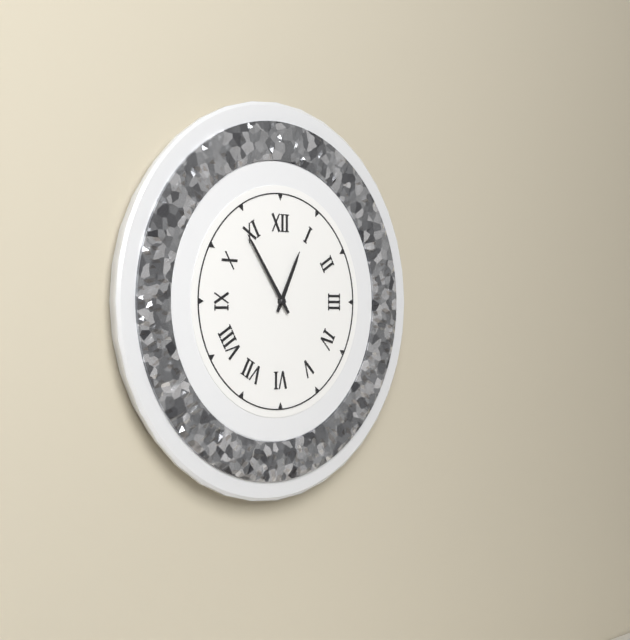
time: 12:54
